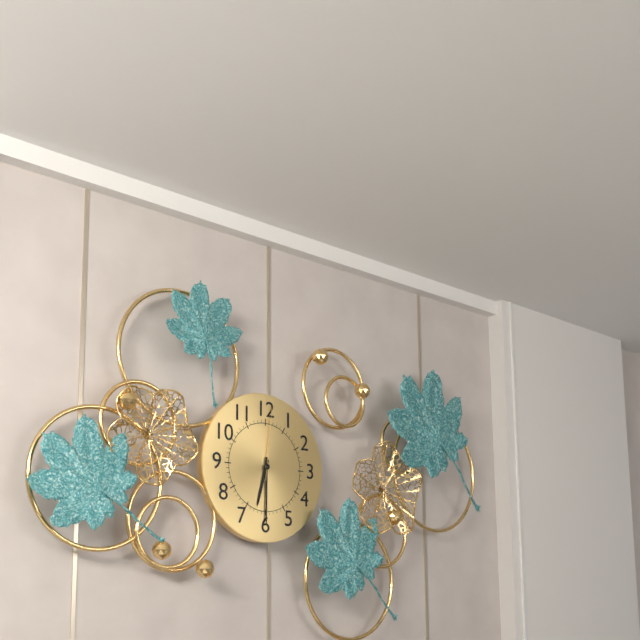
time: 6:30:01
